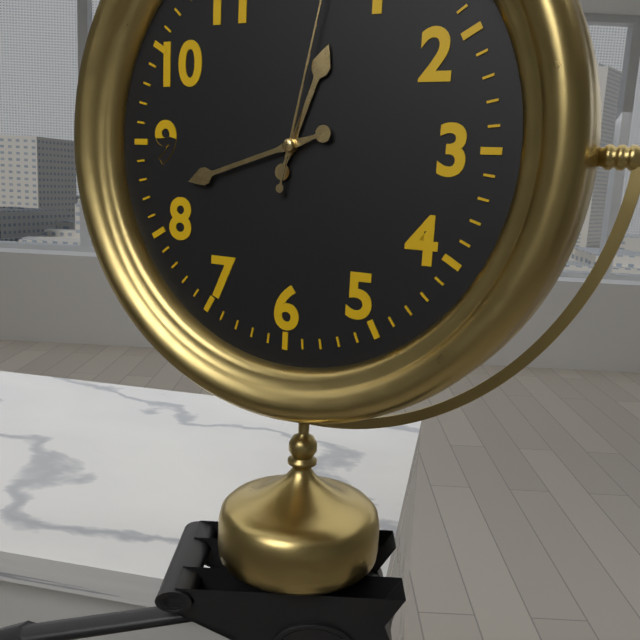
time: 12:42
